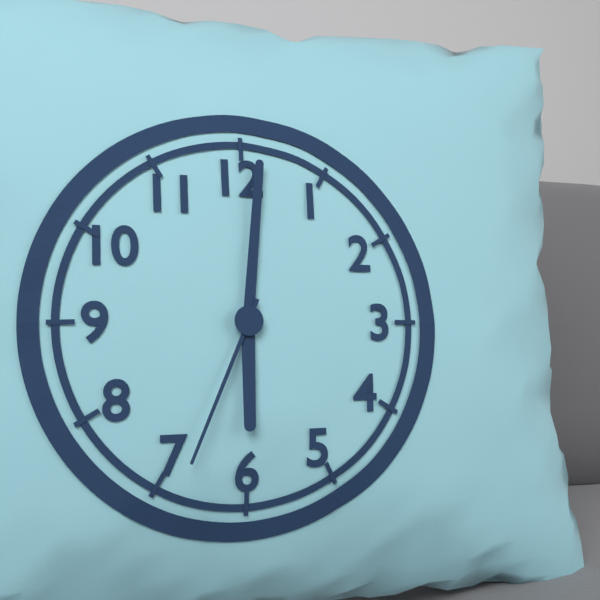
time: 6:01:34
